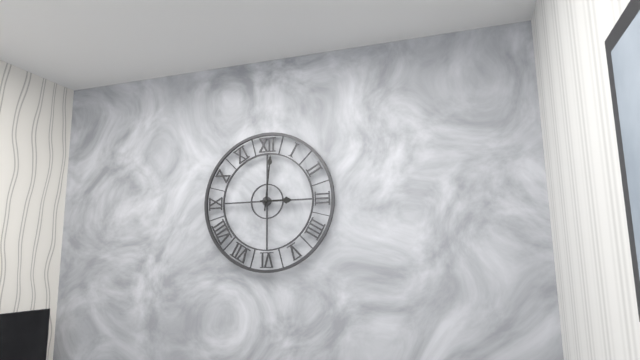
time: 3:01
